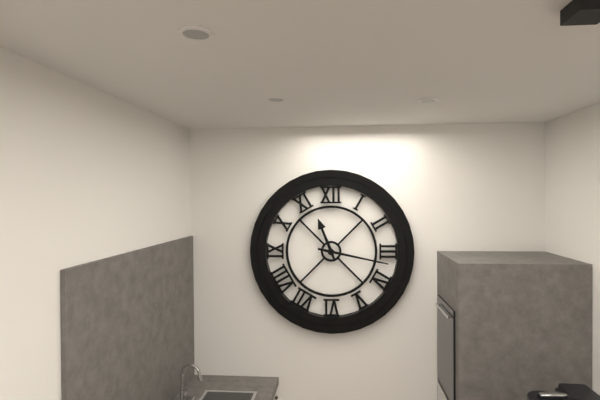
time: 11:17
